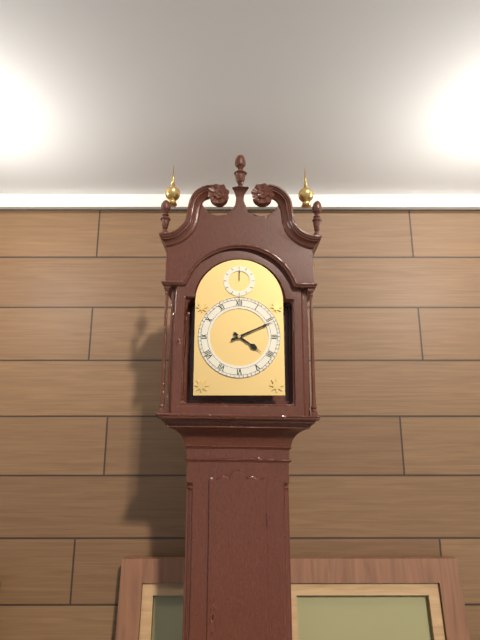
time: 4:11
